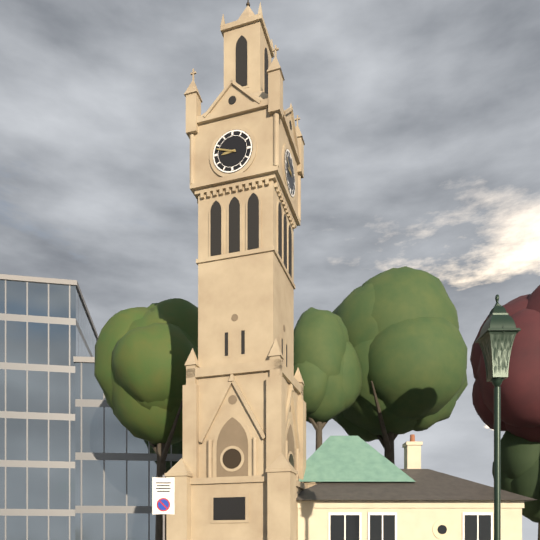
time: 8:48
